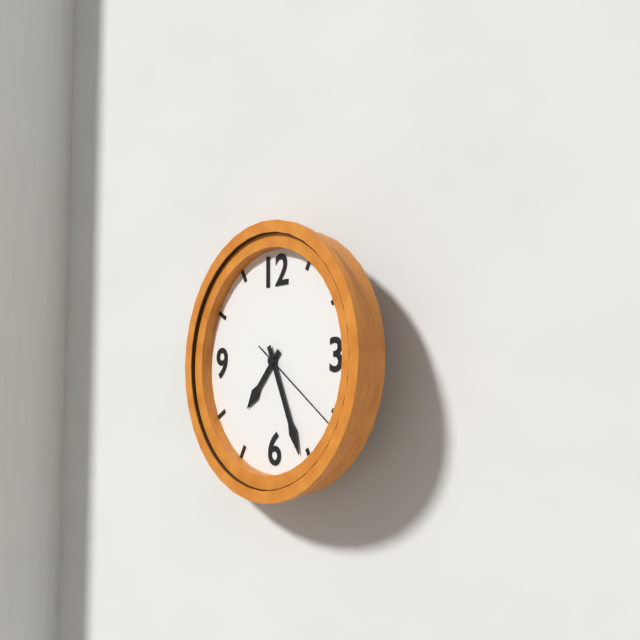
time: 7:26:21
